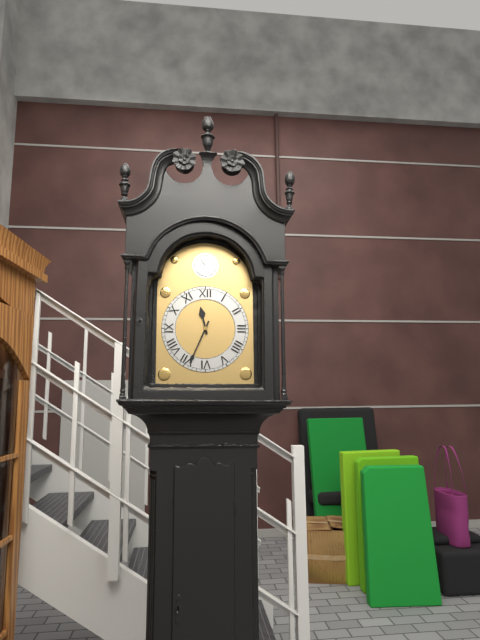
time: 11:34
